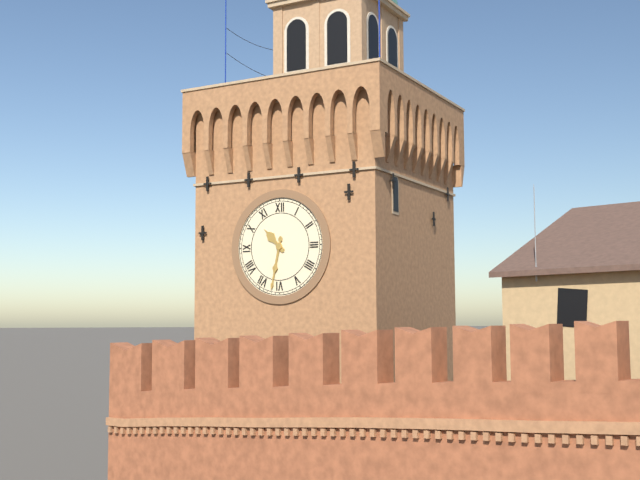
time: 10:32
